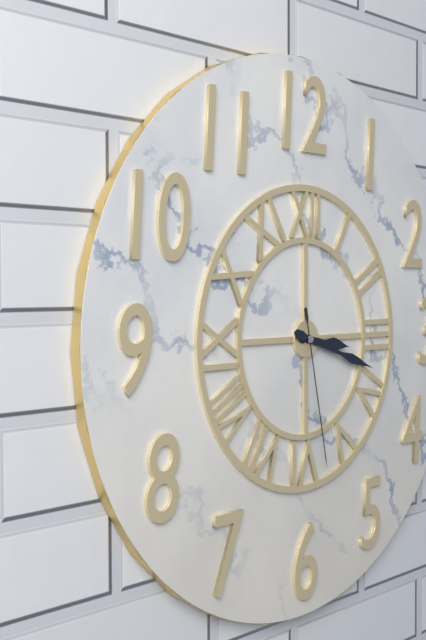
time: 3:18:28
